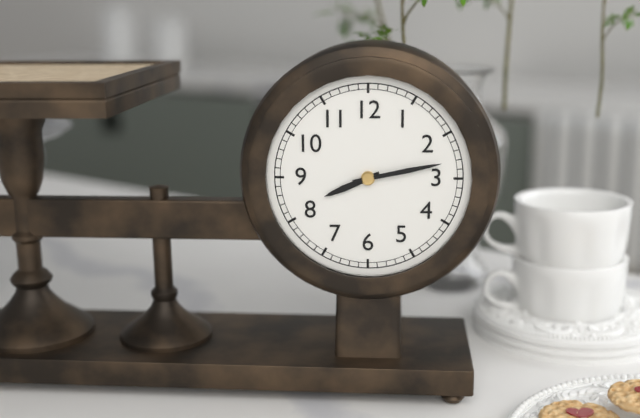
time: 8:13
